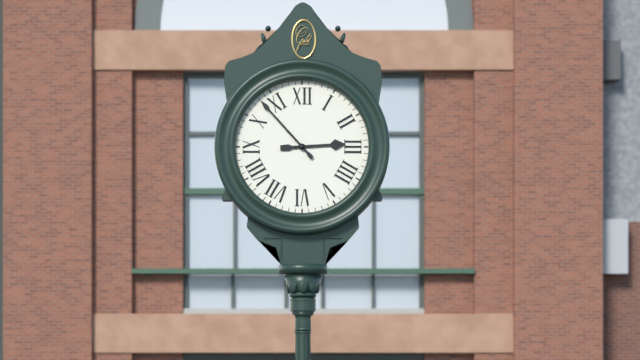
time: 2:53
